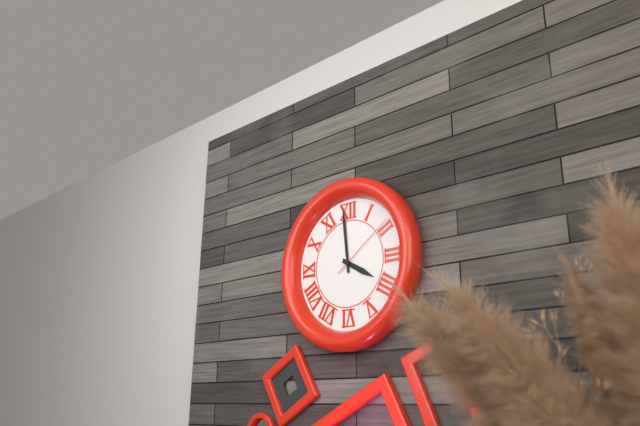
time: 3:59:09
